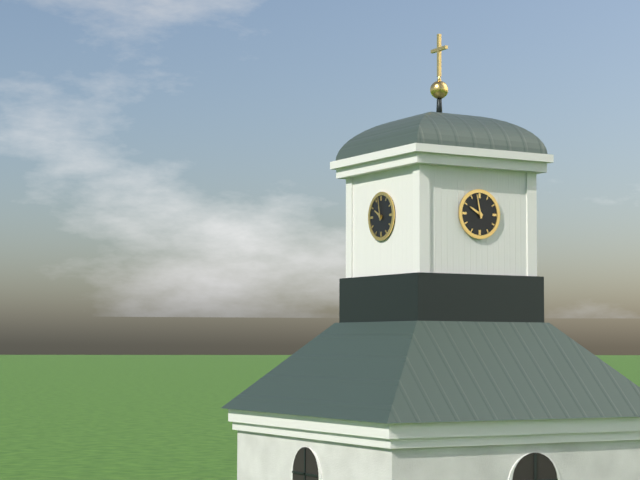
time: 9:58
